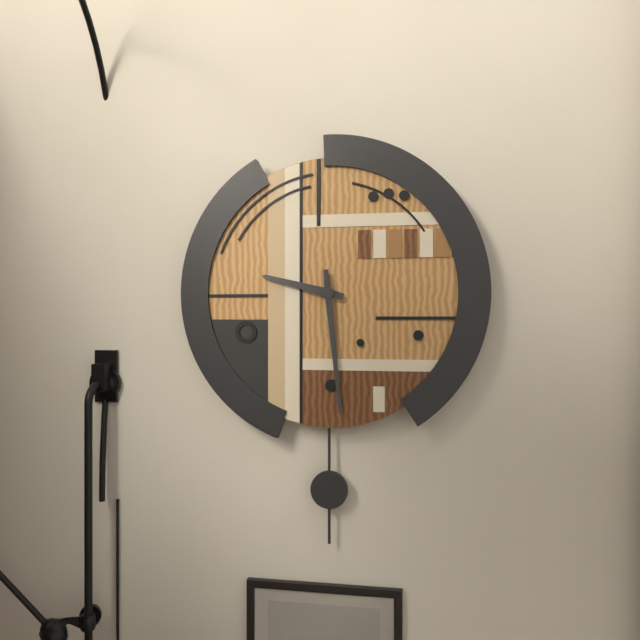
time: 9:29
